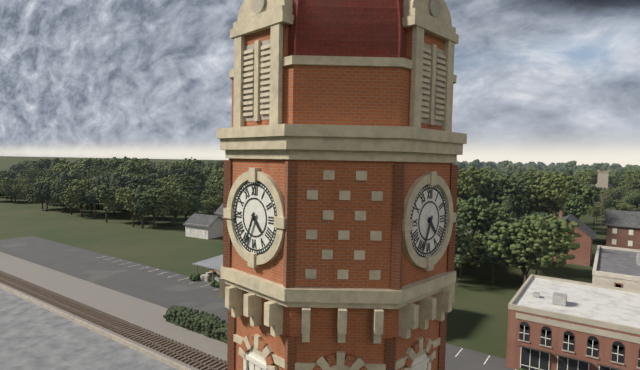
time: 4:34
